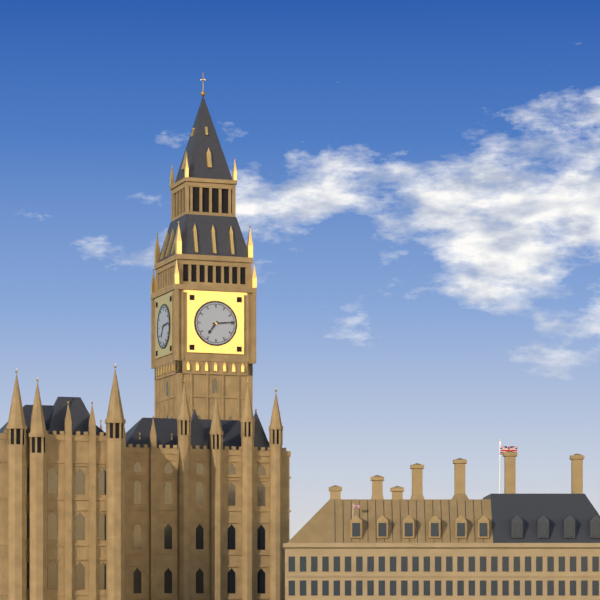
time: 7:14
